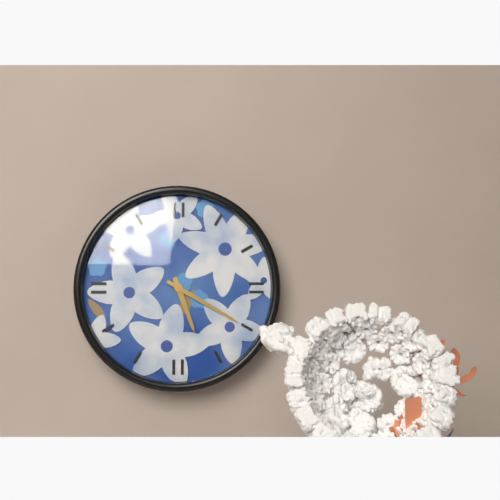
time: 5:20
